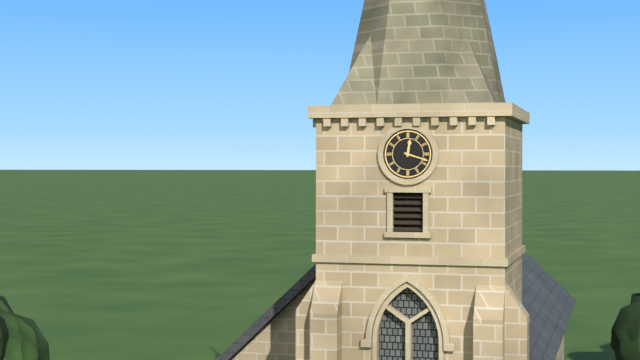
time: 12:18
